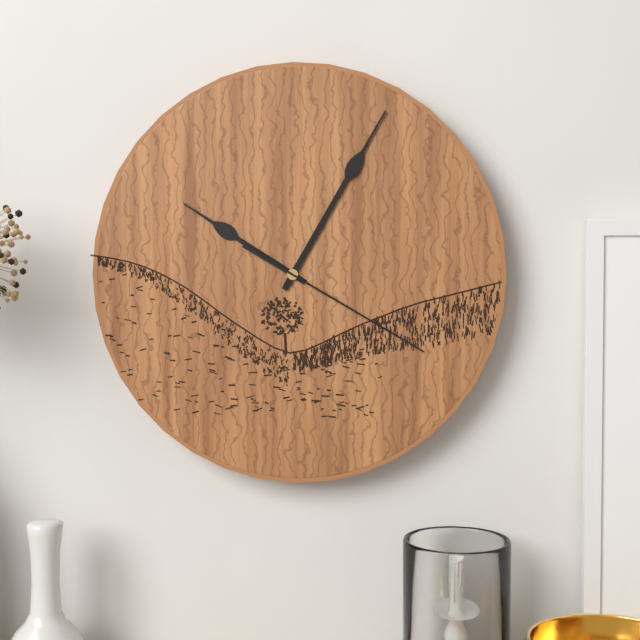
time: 10:05:20
